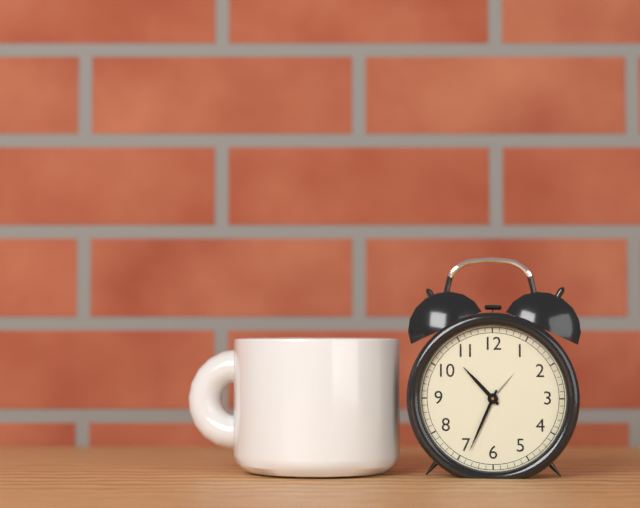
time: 10:34
